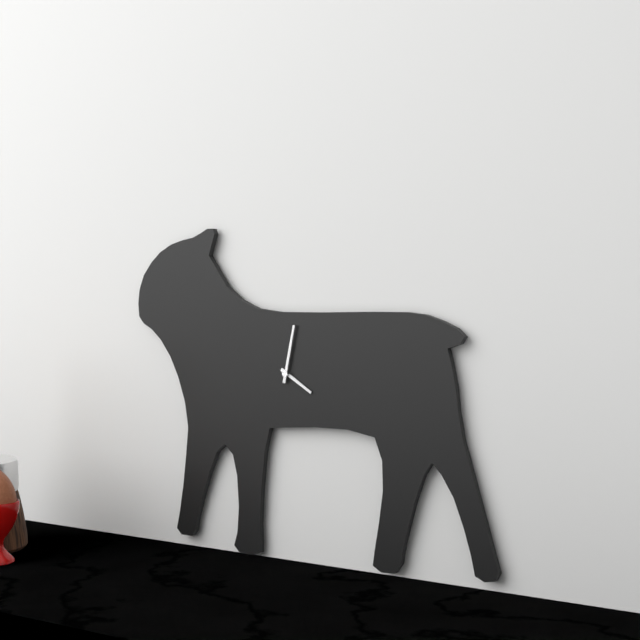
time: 4:02
